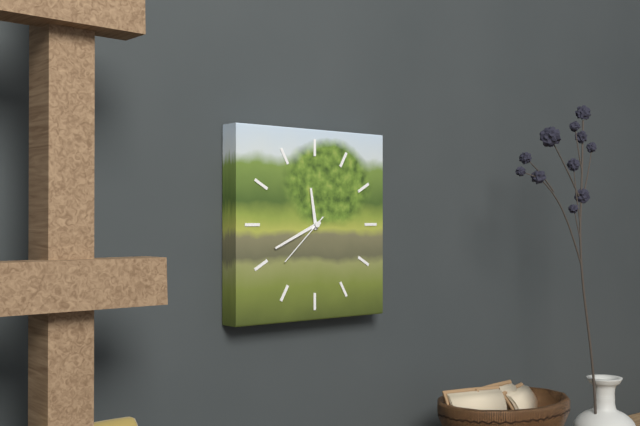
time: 11:41:38
